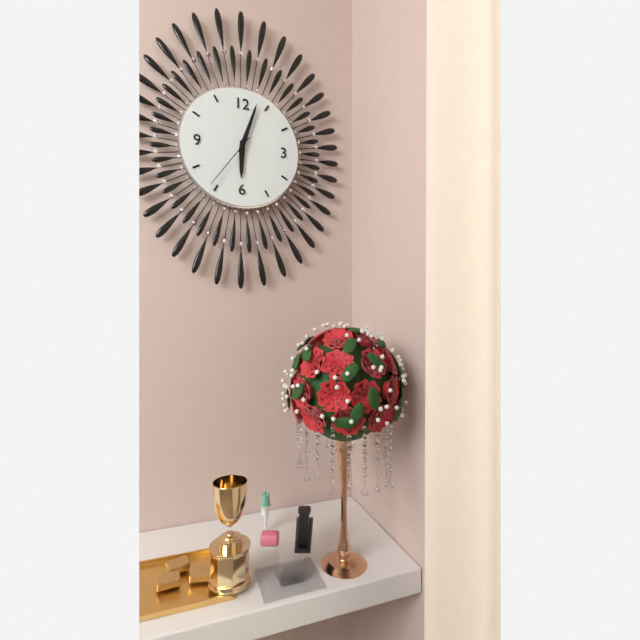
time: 6:03:36
